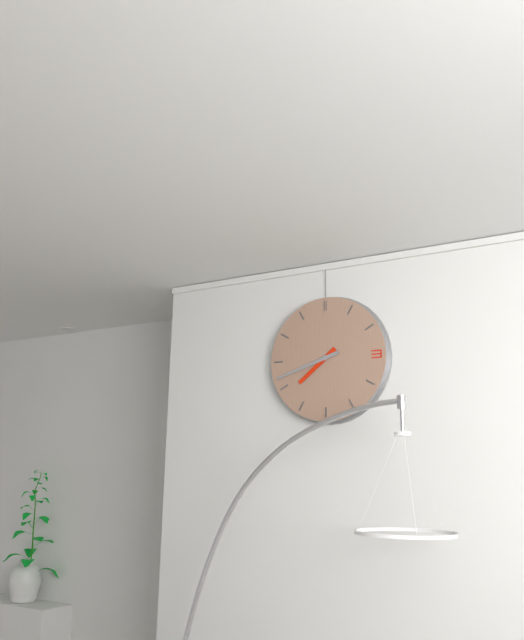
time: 7:42
